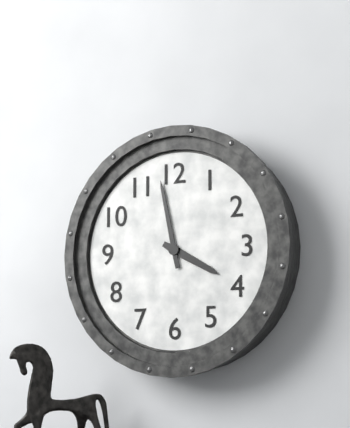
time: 3:58
